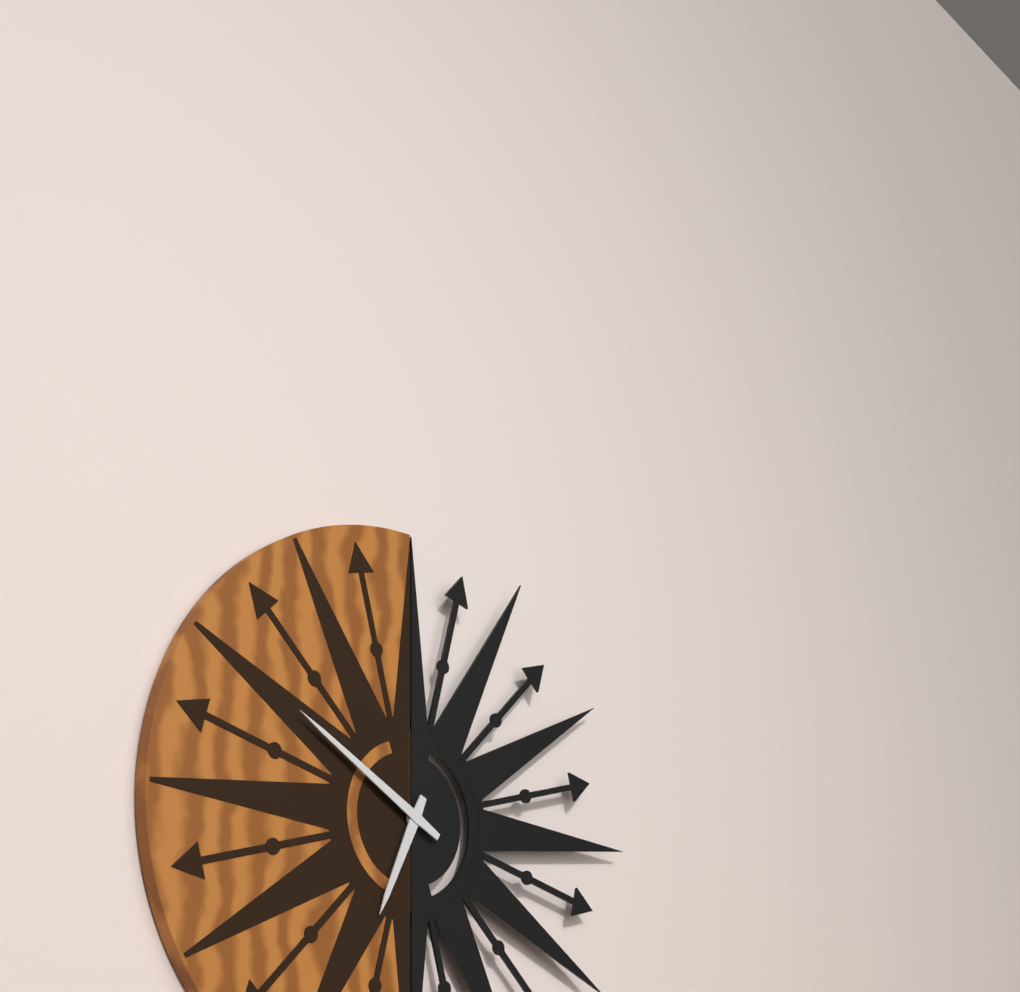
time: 6:50
